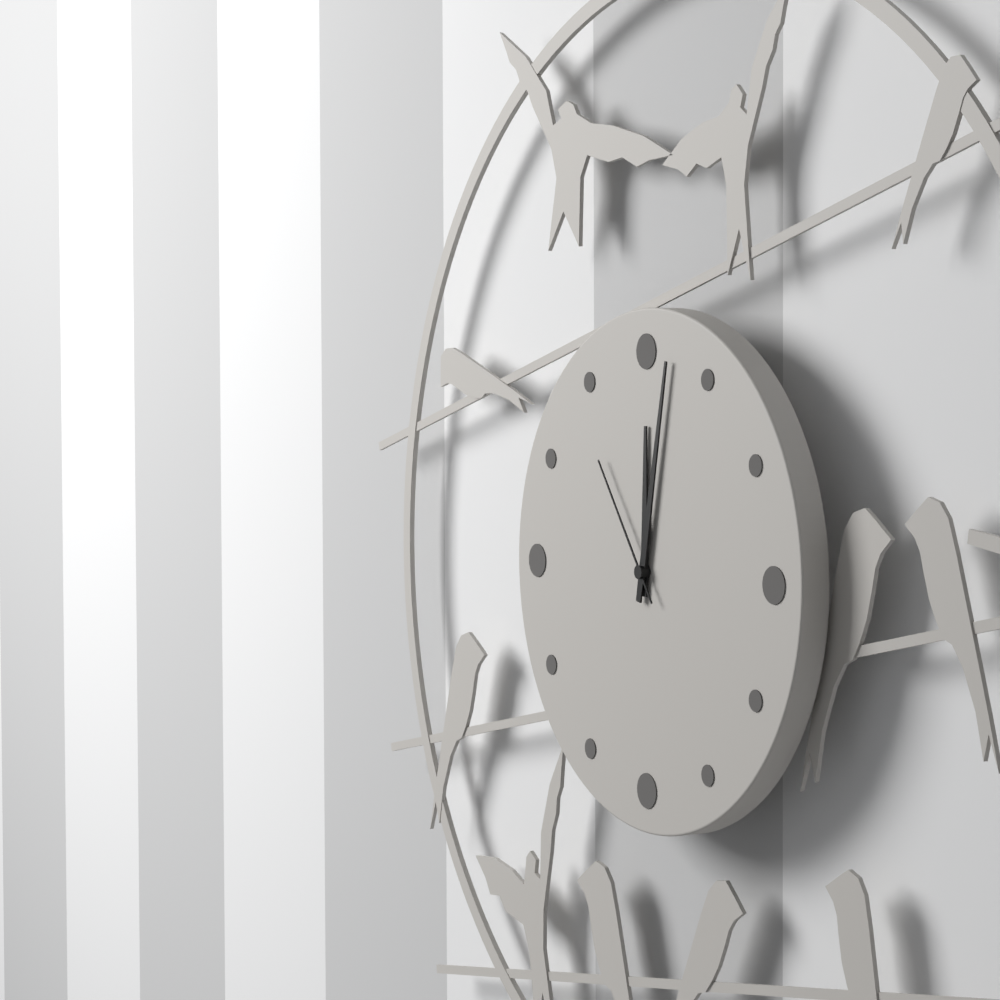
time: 12:02:54
